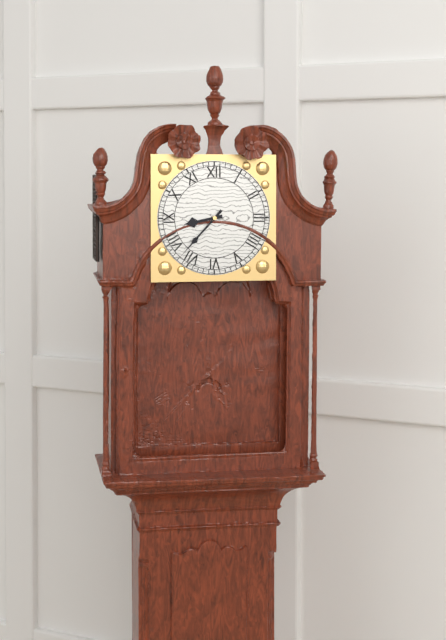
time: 8:37
